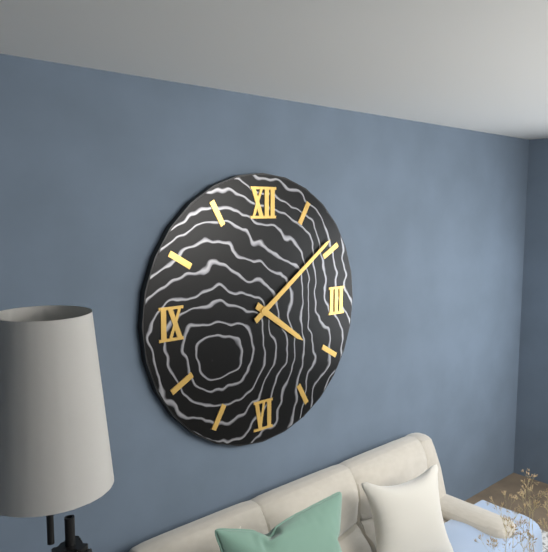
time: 4:09
